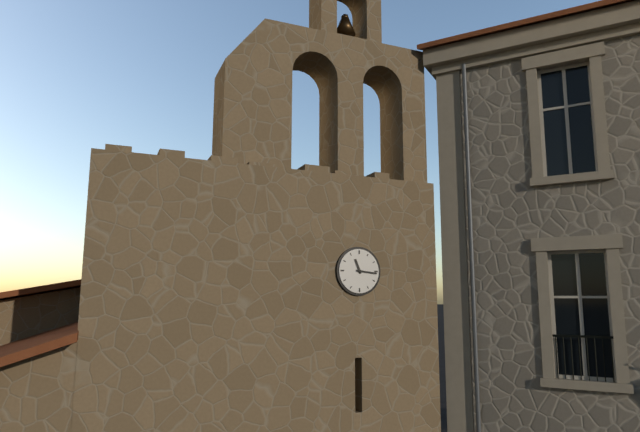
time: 11:16
